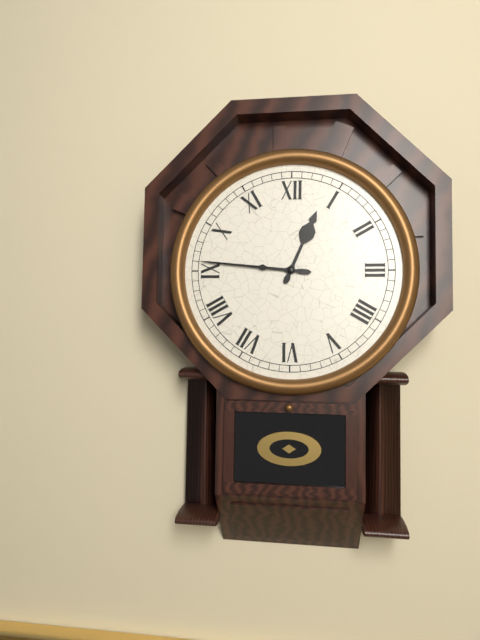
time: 12:46
